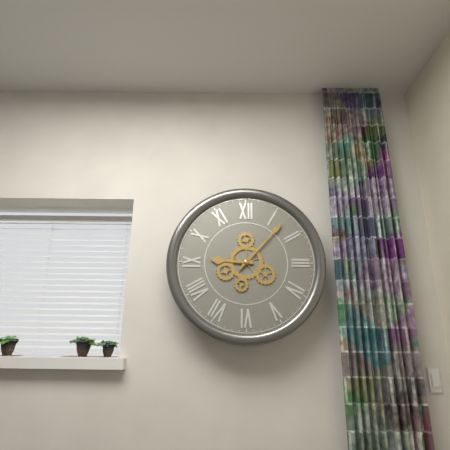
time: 9:07
